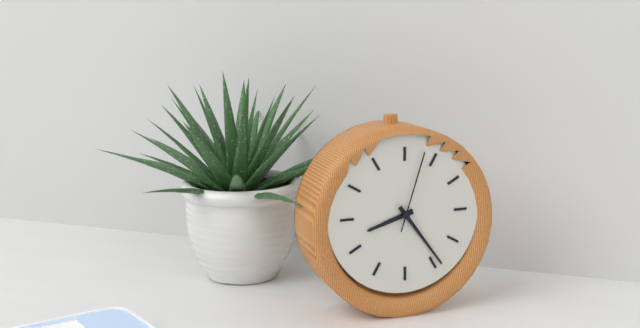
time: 8:24:03
